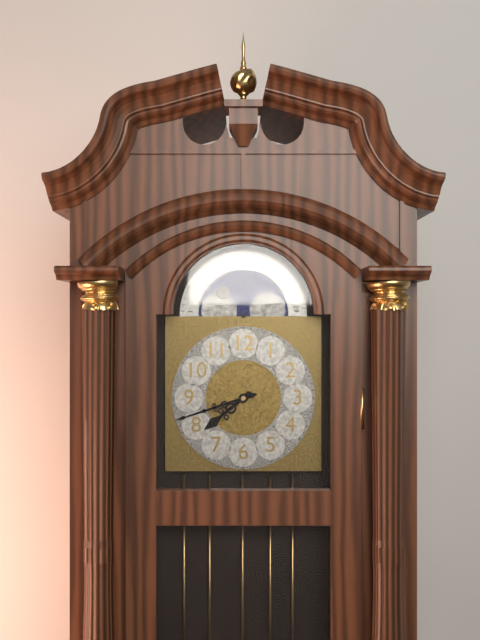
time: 7:42
